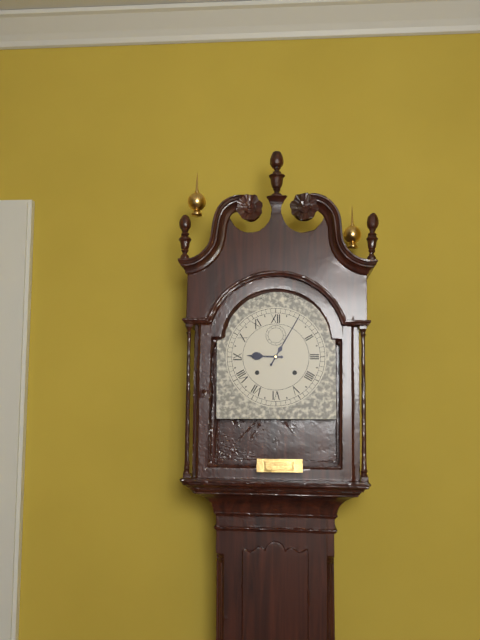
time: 9:05
